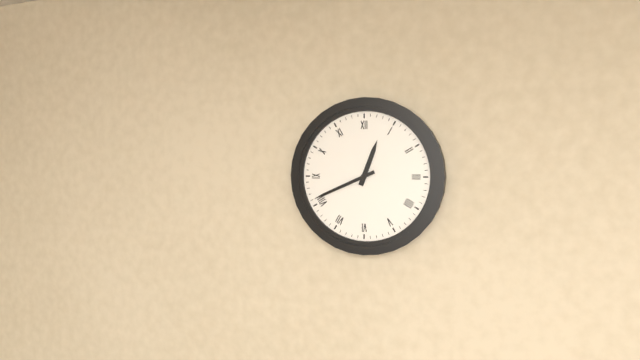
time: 12:41
